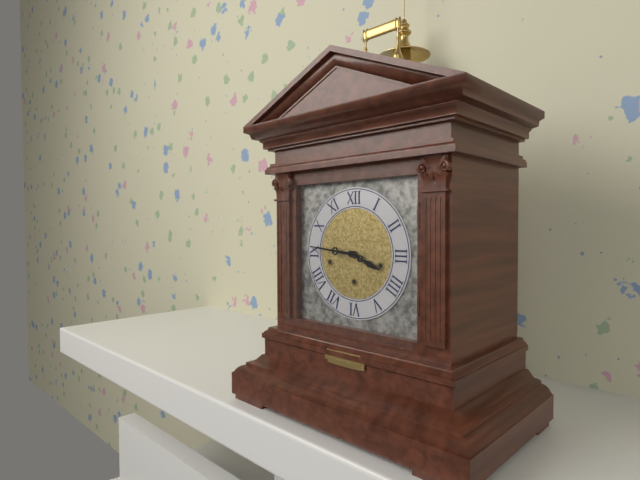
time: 3:46
